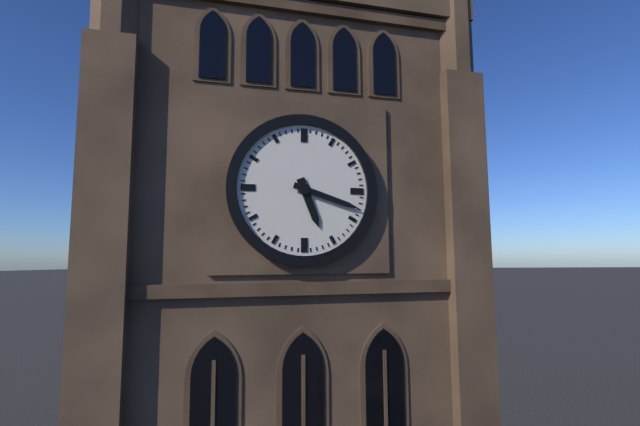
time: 5:18
